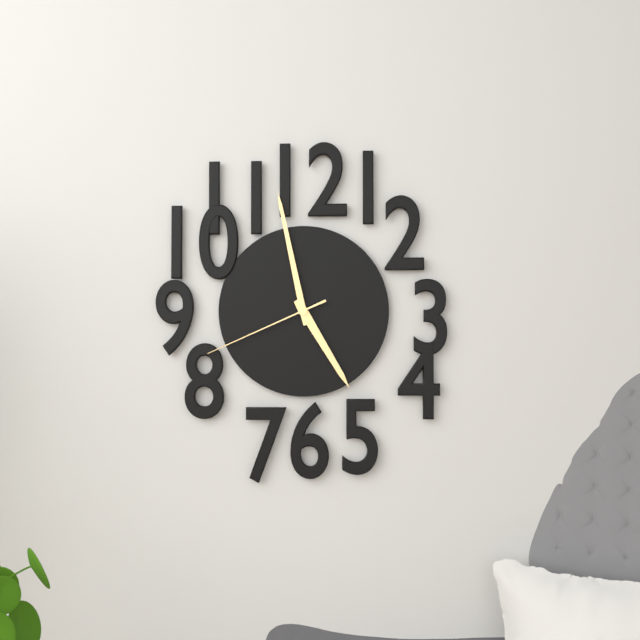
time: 4:58:41
